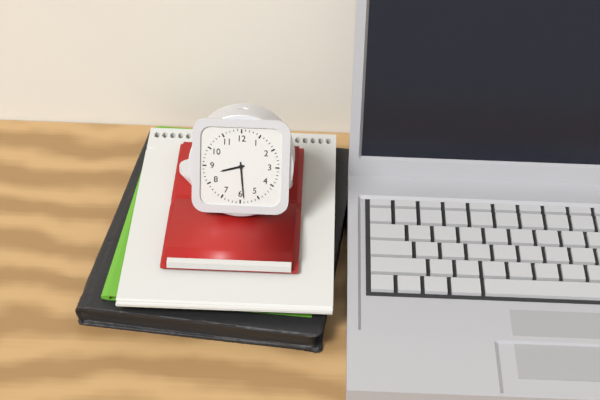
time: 8:29
